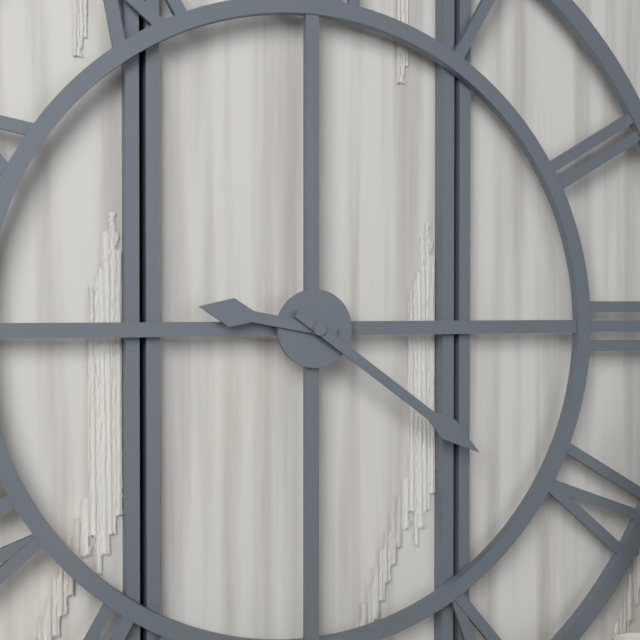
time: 9:21
